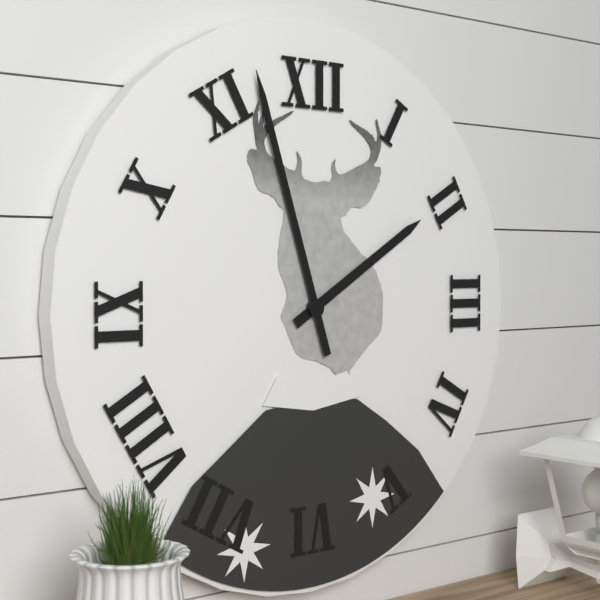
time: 1:57
